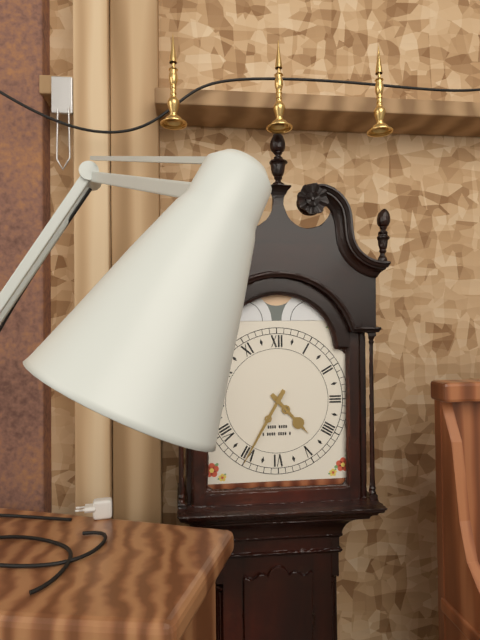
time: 4:35
